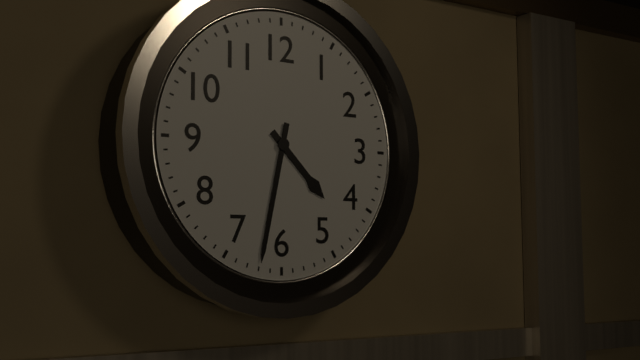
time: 4:32
